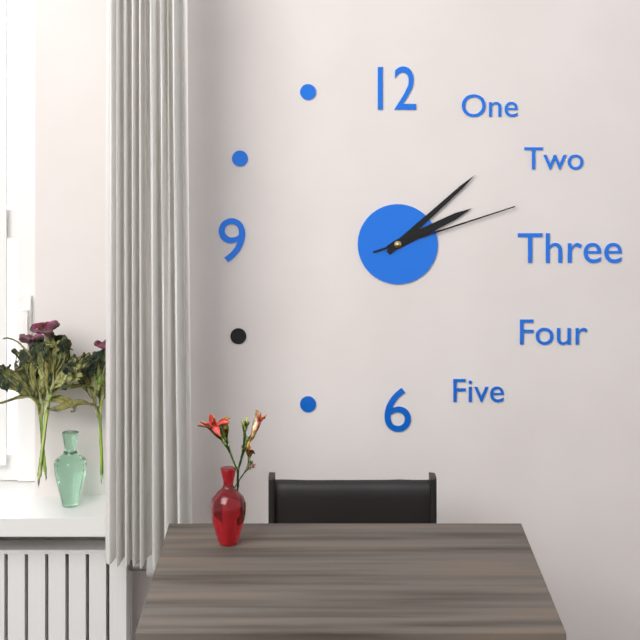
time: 2:08:12
